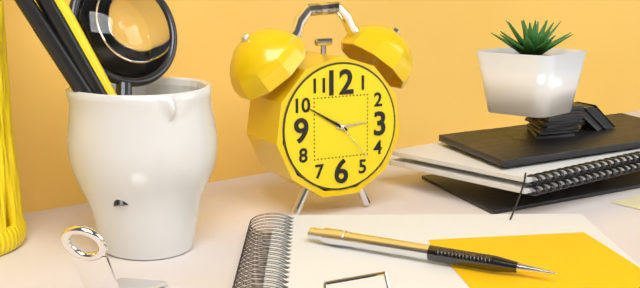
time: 2:50:23
